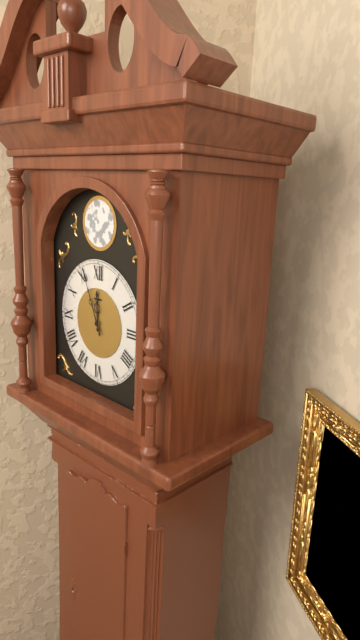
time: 11:56
